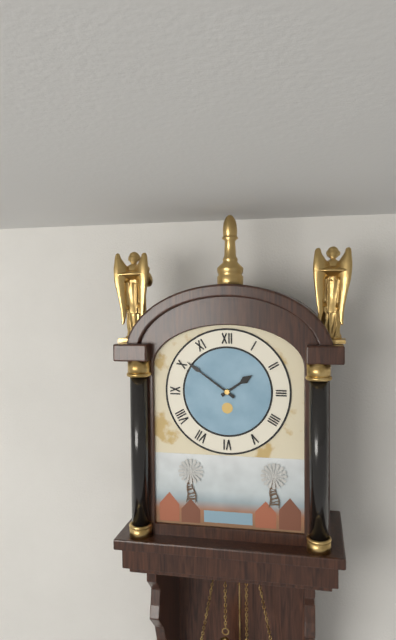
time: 1:51
